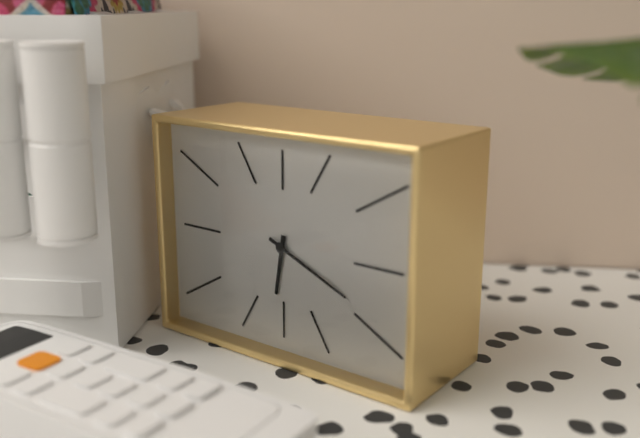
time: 6:19
